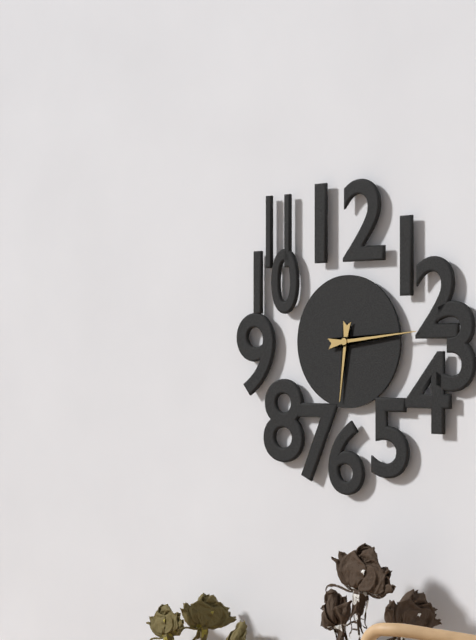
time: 6:14
